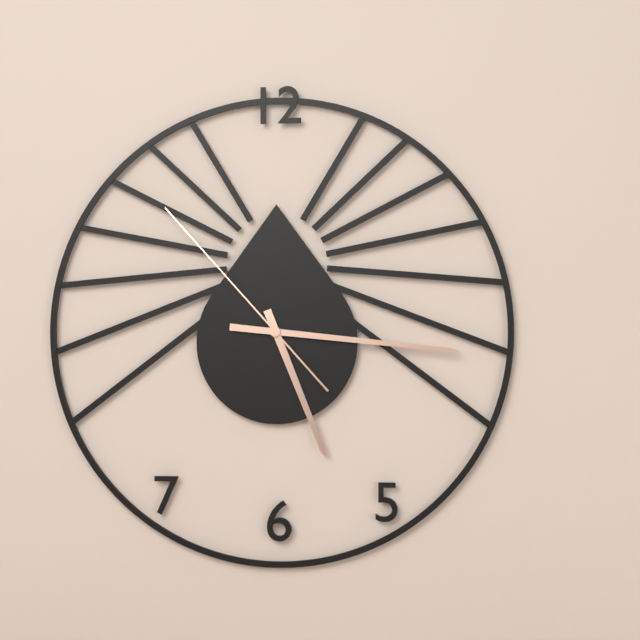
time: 5:16:53
